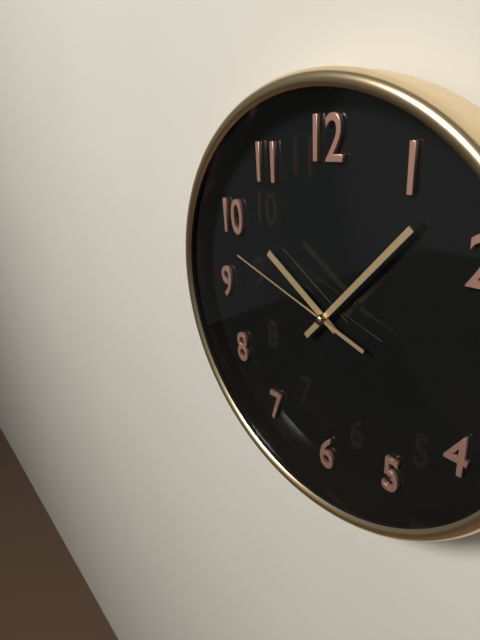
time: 10:07:48
